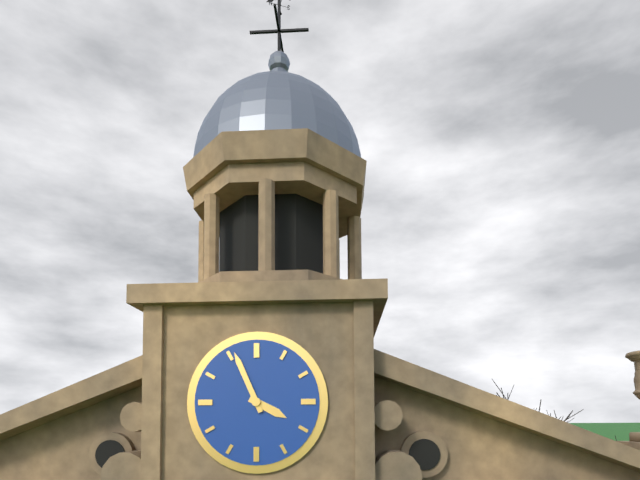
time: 3:56
